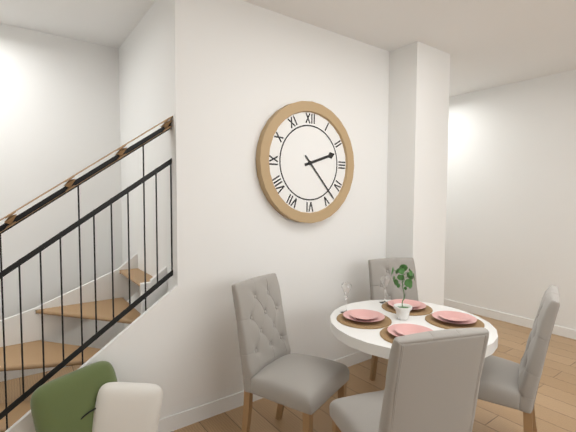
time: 2:23
